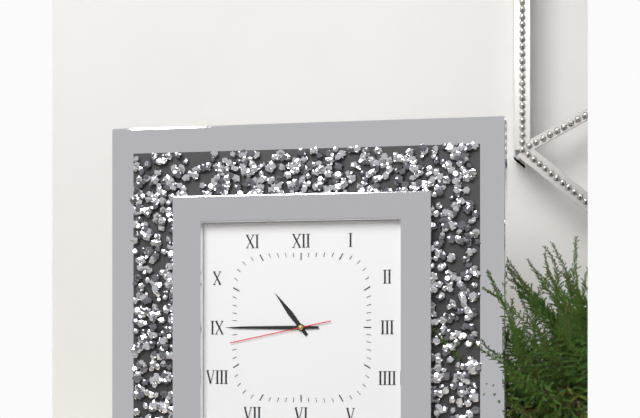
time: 10:45:43
